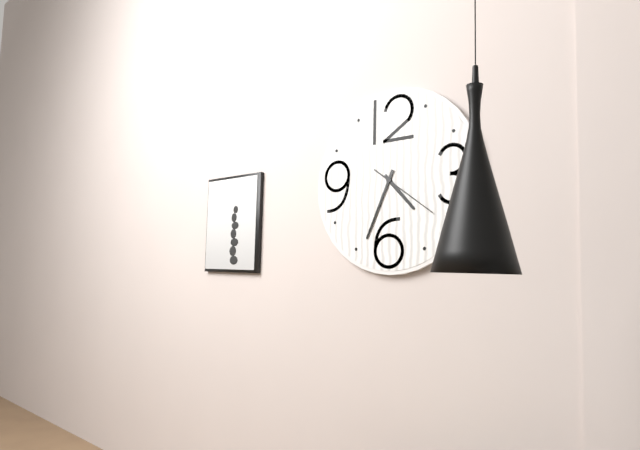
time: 4:34:21
